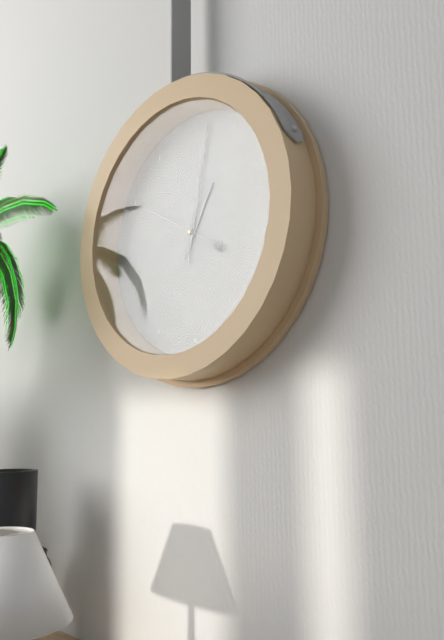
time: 1:02:50
